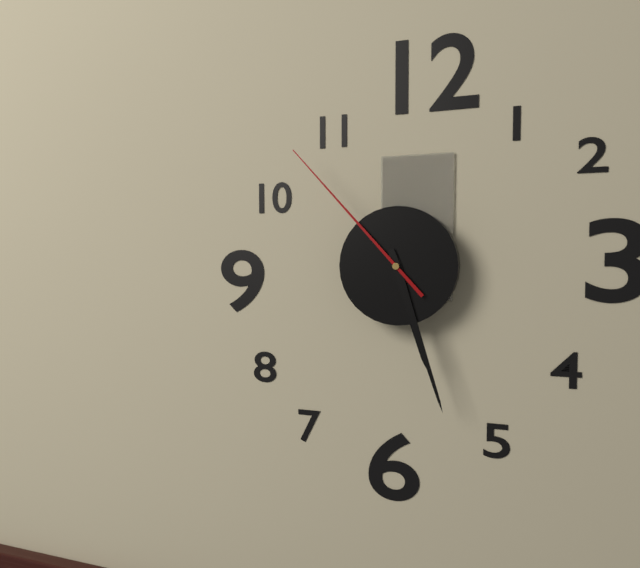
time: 5:27:53
